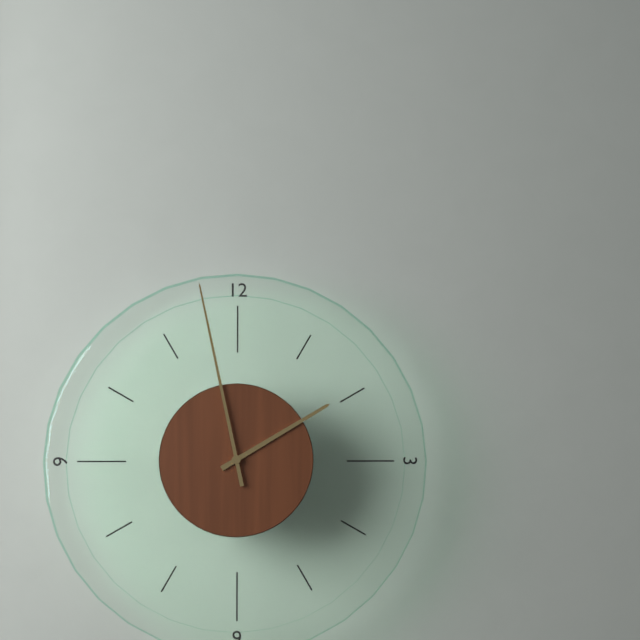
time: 1:58
